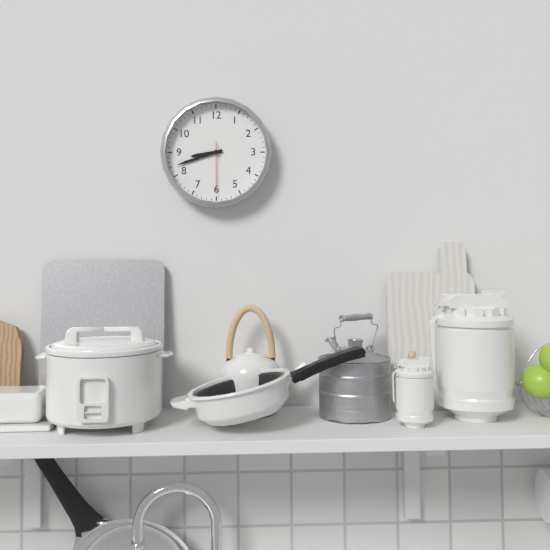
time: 8:42:30
